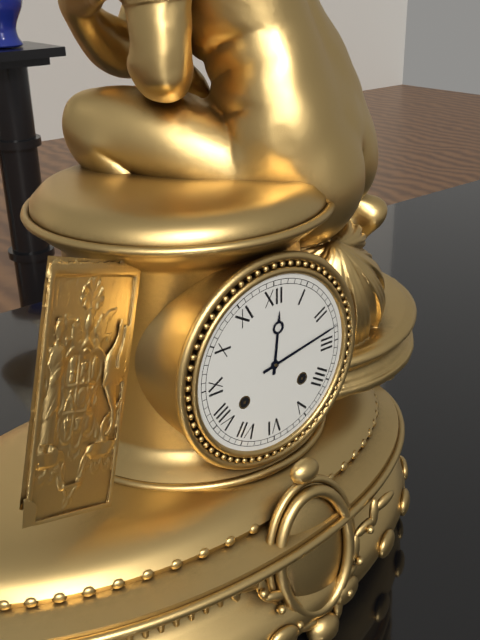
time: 12:13
